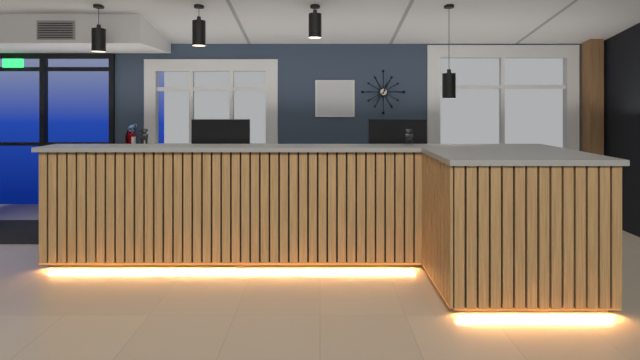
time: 12:38
